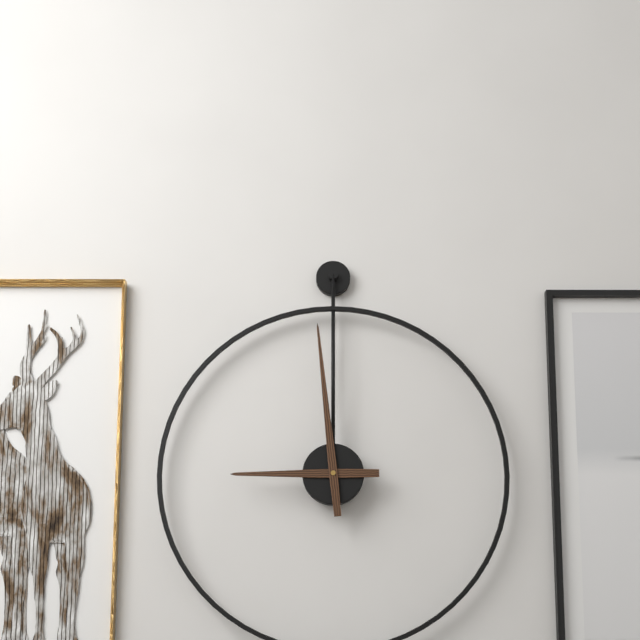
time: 8:59
